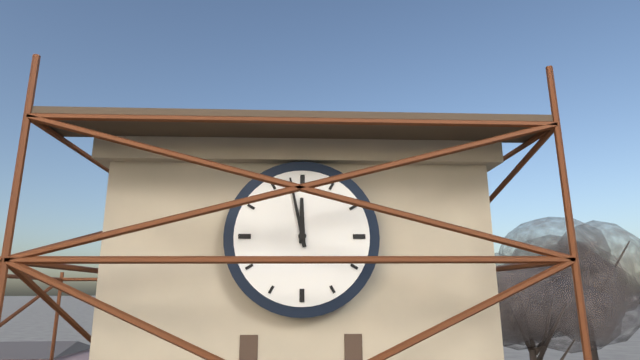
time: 11:58
